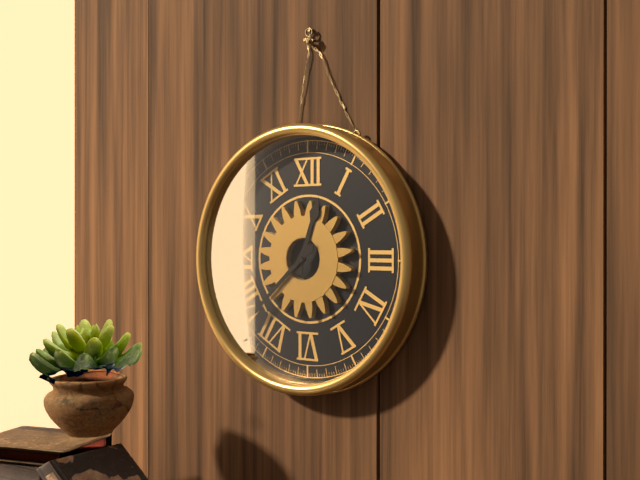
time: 12:38
